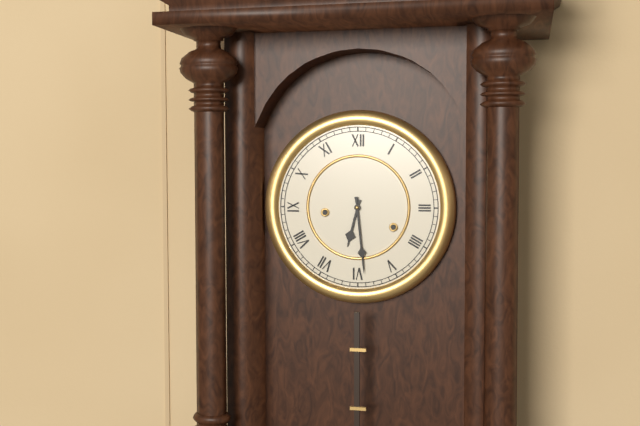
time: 6:29
